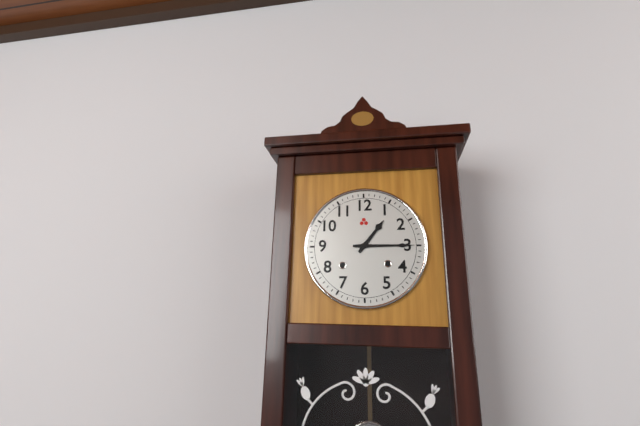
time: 1:15
